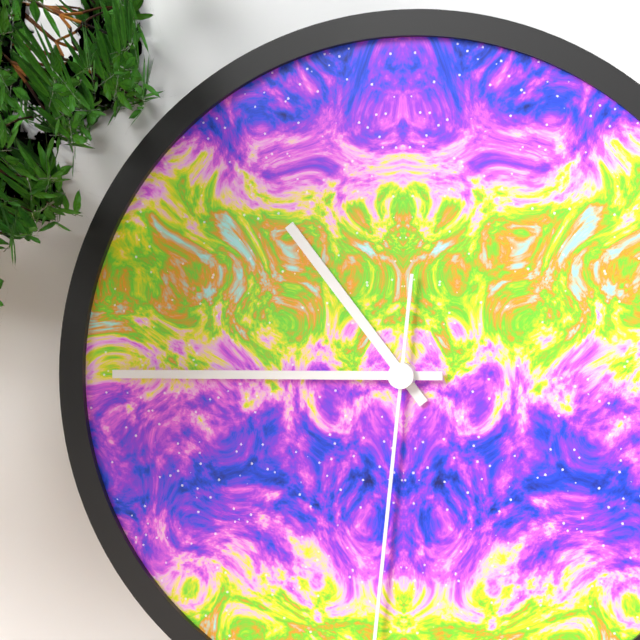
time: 10:45
